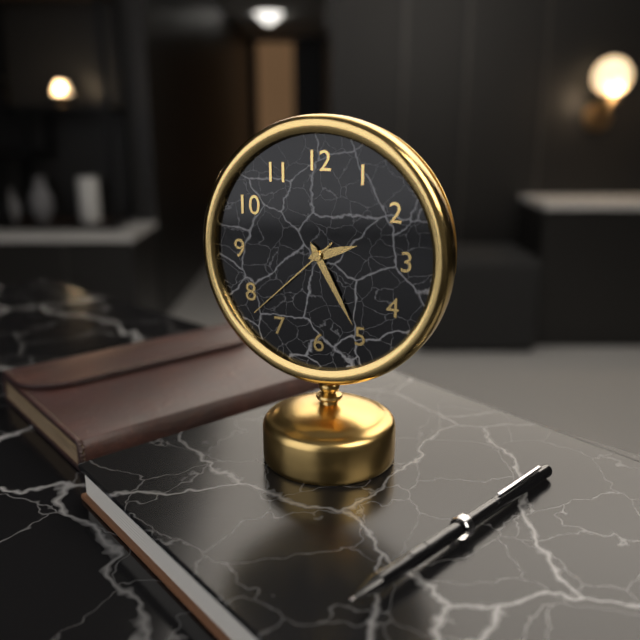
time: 2:25:38
